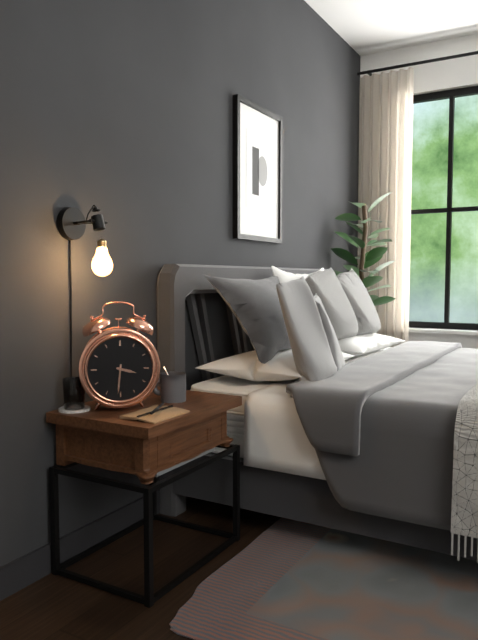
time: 3:31
